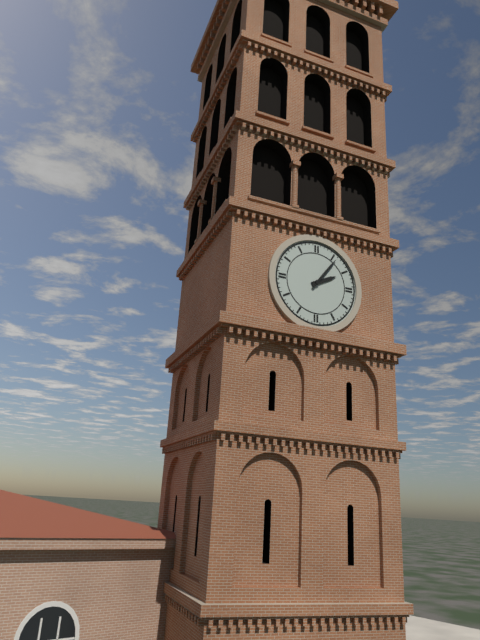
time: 2:06
